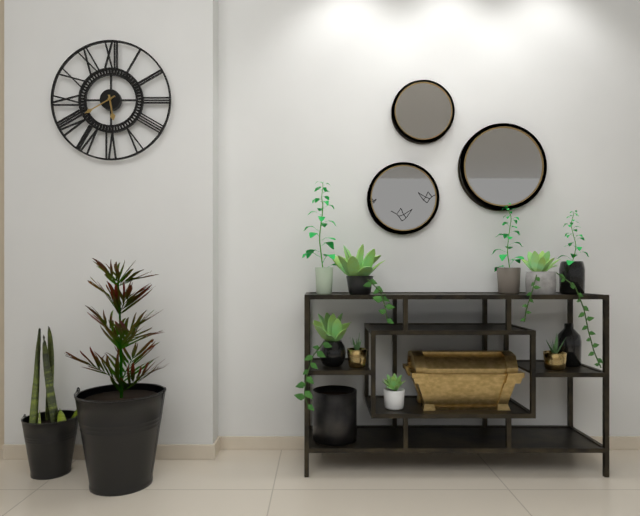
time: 5:40
